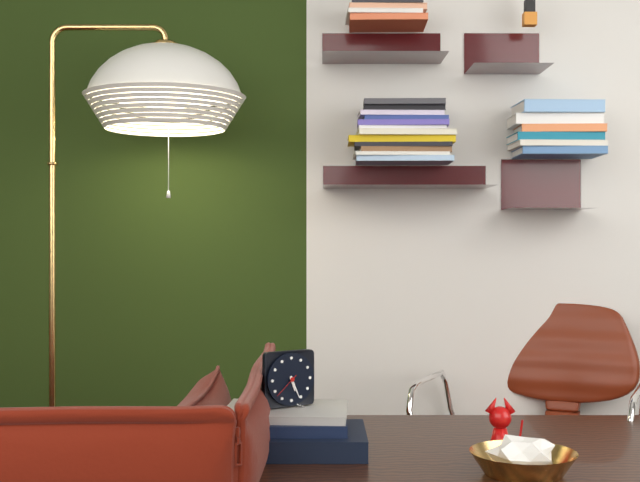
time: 5:26
